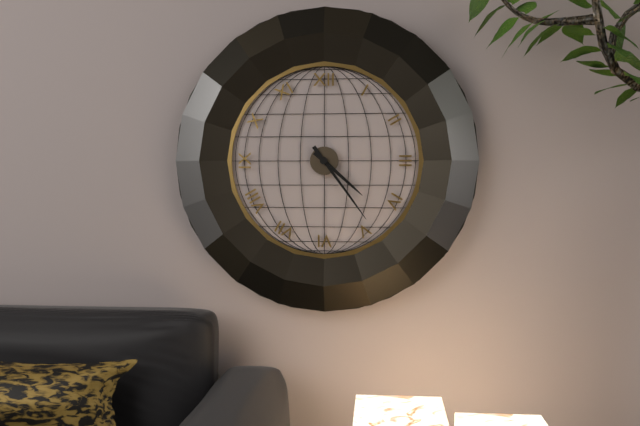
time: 4:24
